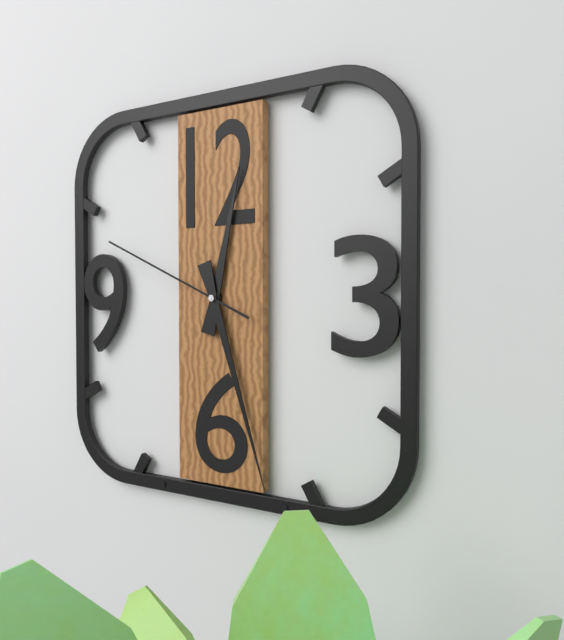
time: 12:27:49
